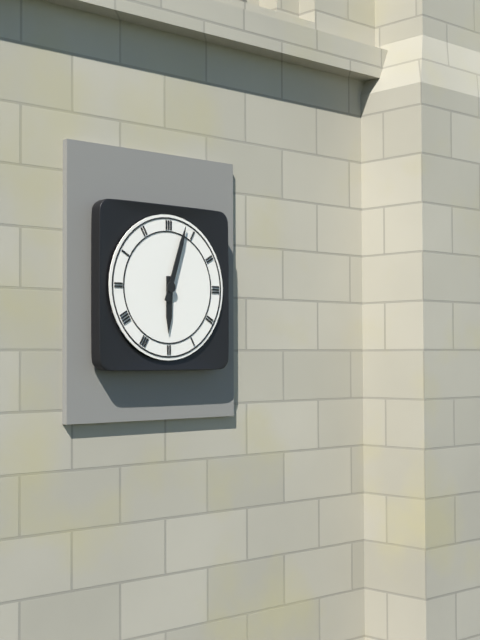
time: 6:03
